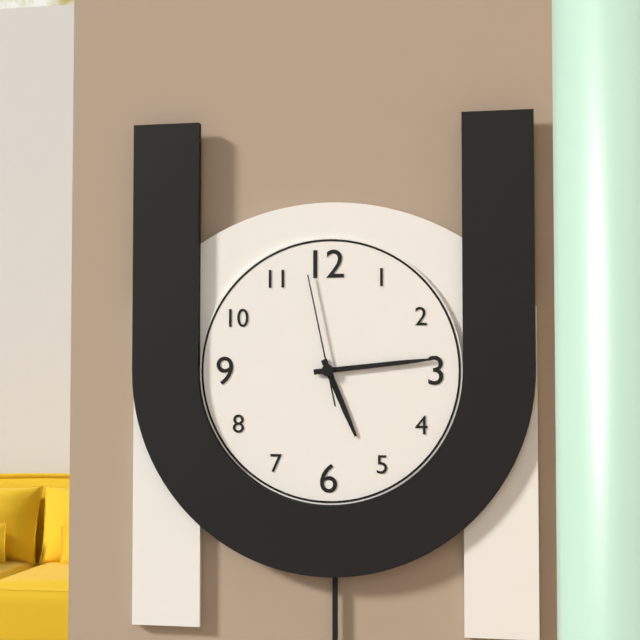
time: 5:14:58
